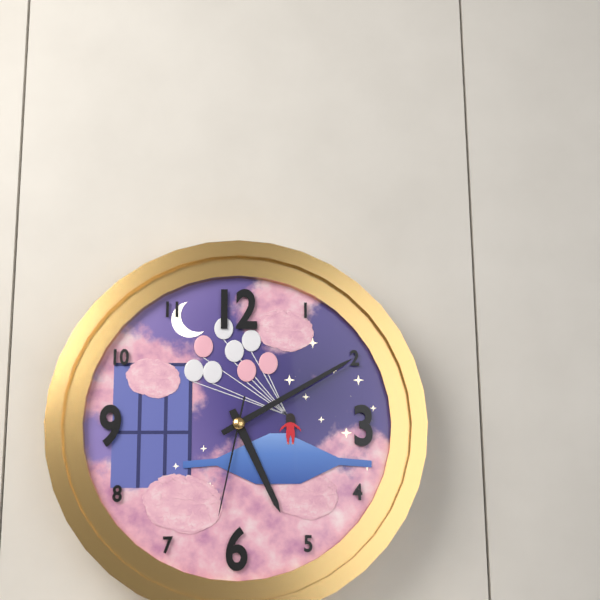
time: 5:10:32
